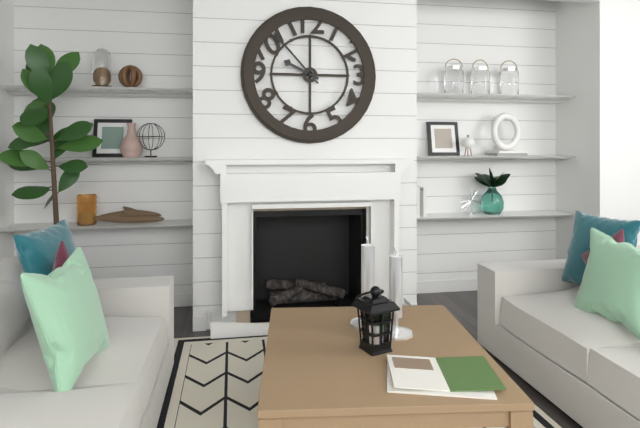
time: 9:53
